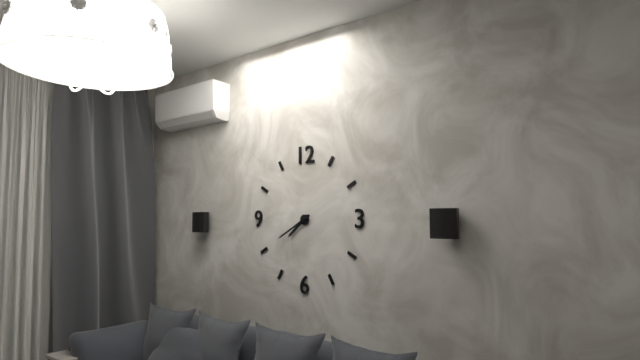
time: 7:40
